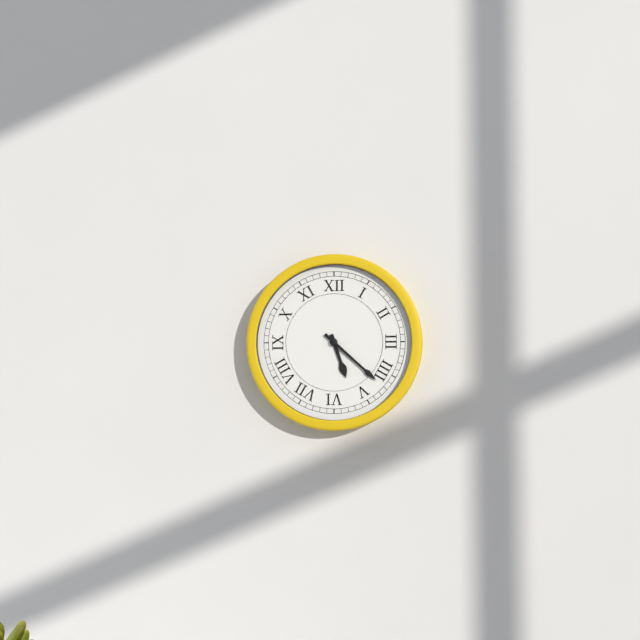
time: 5:22
